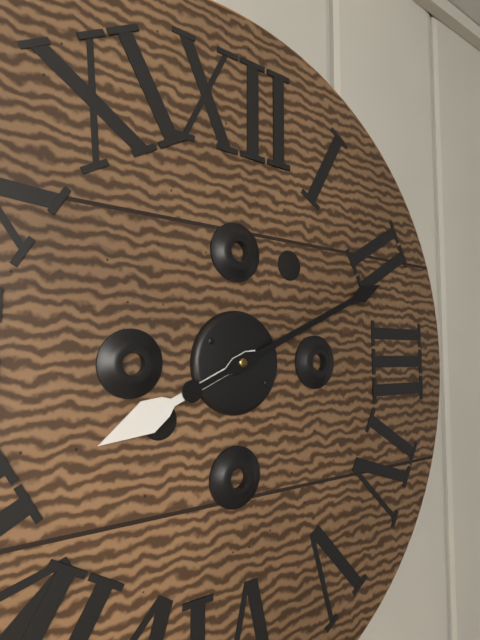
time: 8:11
